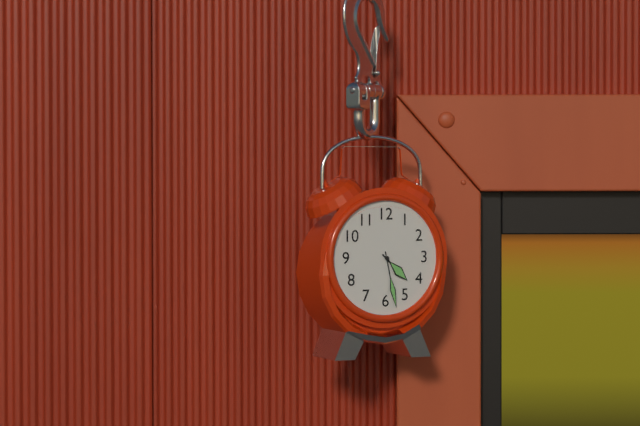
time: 4:28
